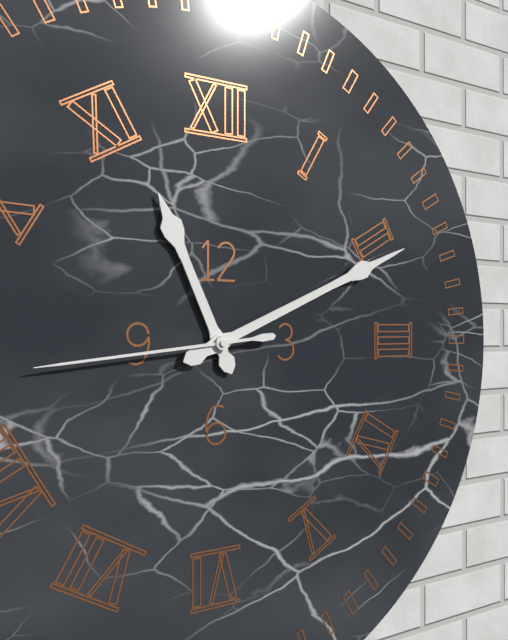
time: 11:11:44
